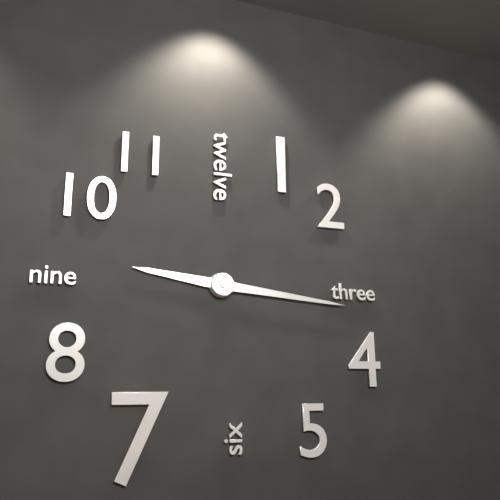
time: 9:16
